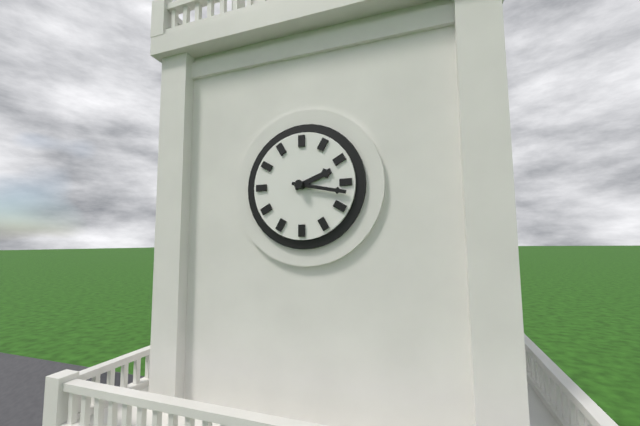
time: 2:17
